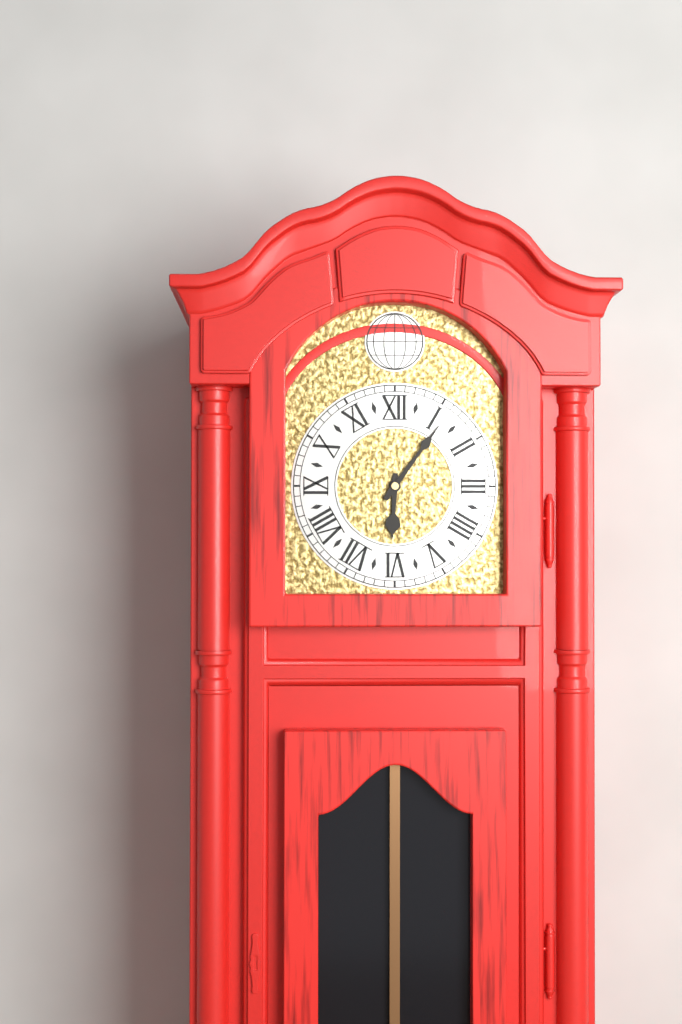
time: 6:06
